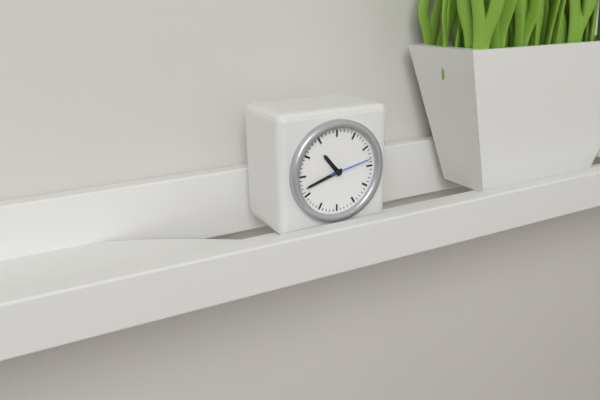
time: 10:42
